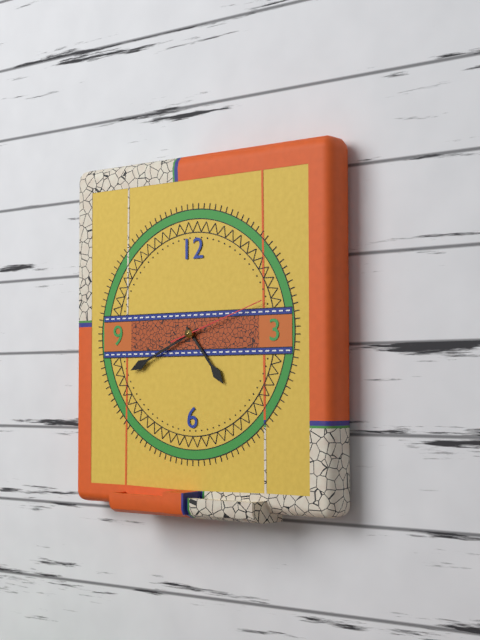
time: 4:41:12
